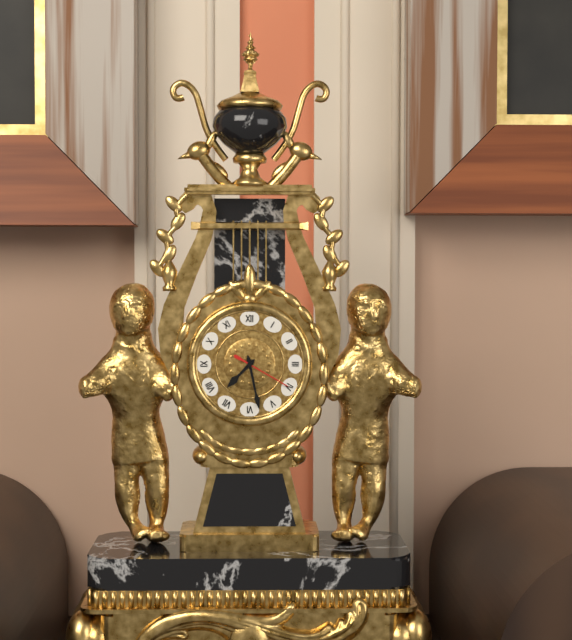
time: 7:28:20
